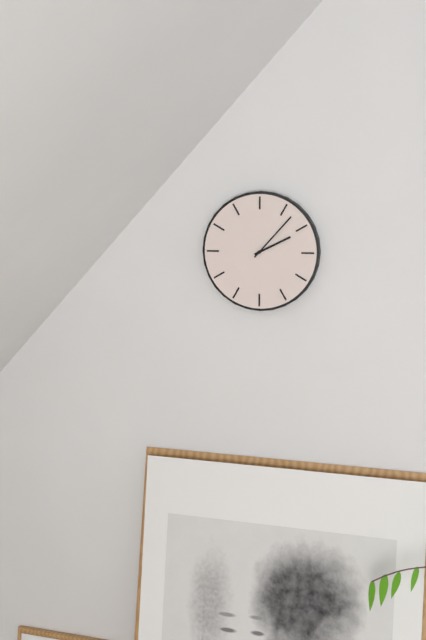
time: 2:07
